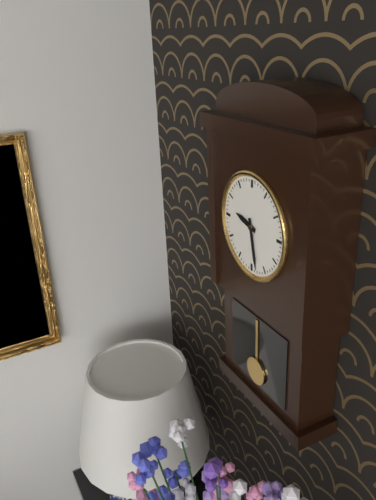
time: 9:28
